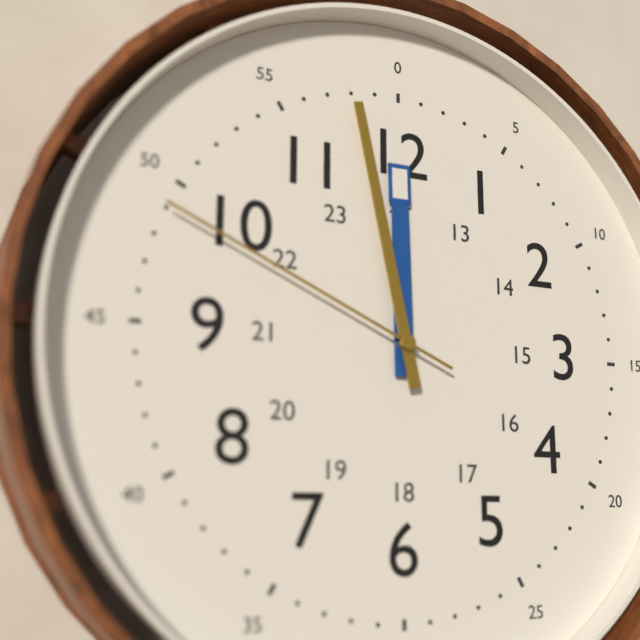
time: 11:58:49
